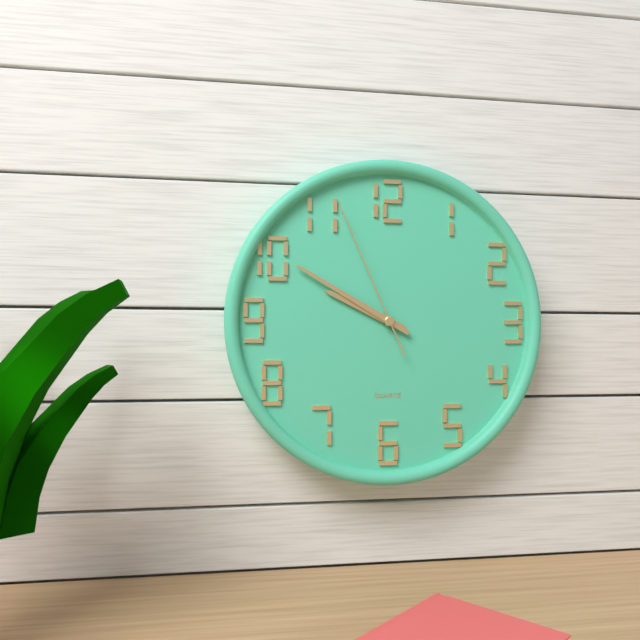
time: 9:50:56
